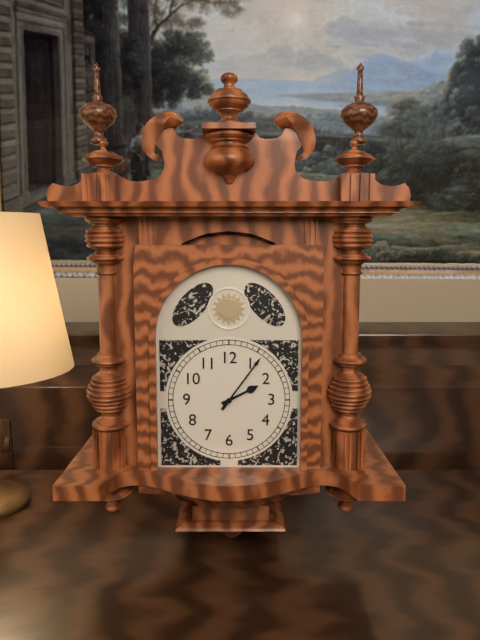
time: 2:06
